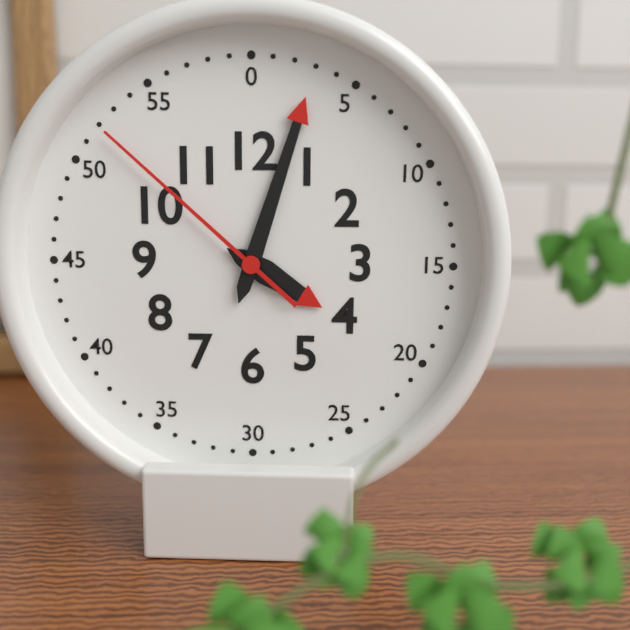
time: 4:03:52
